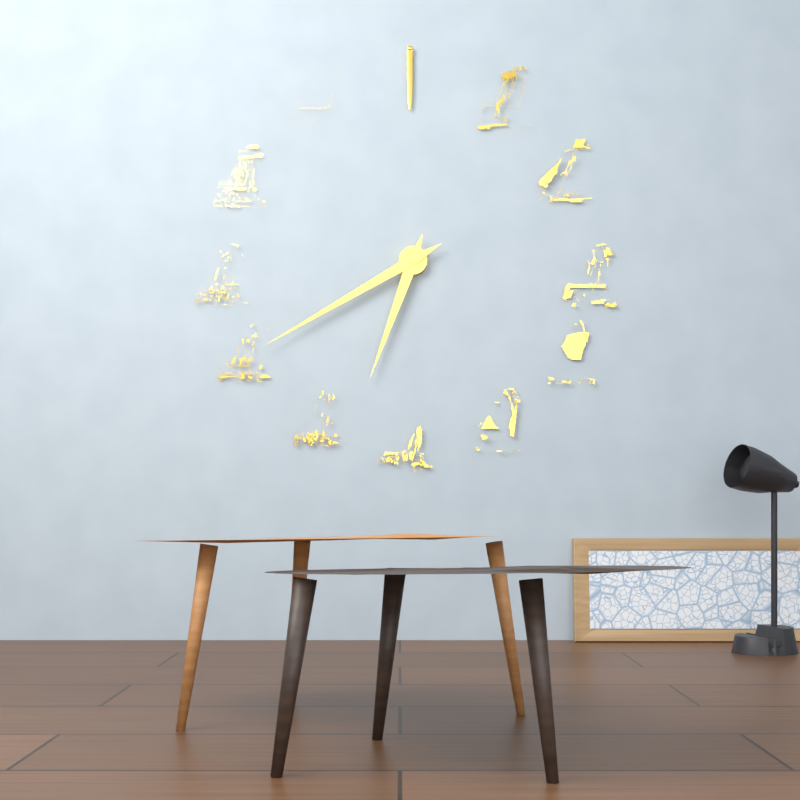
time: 6:40
